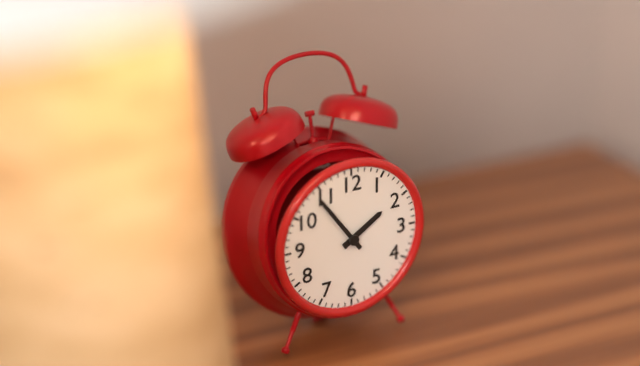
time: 1:54
